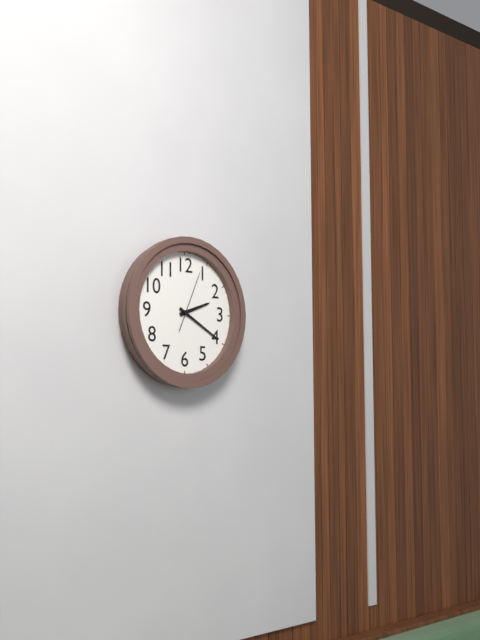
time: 2:20:04
